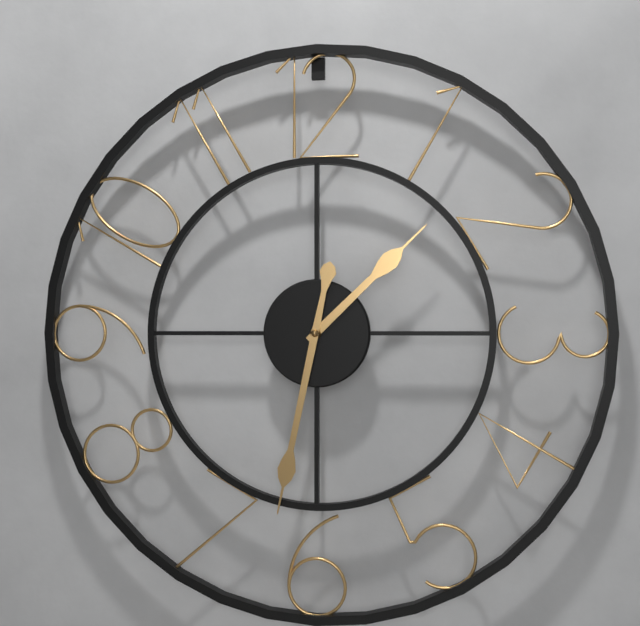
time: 1:32
